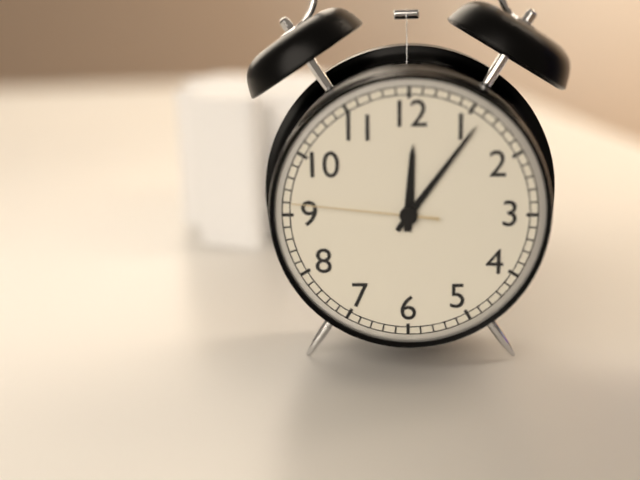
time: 12:06:46
